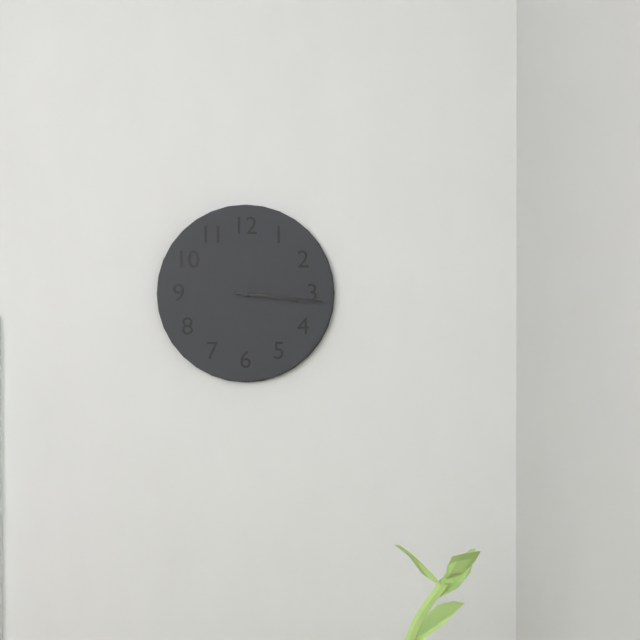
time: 3:16
